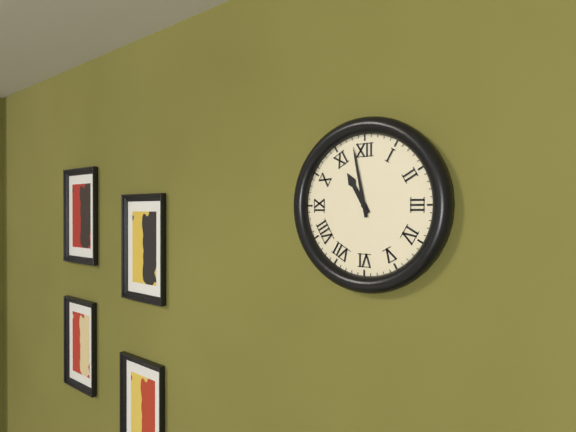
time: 10:58
